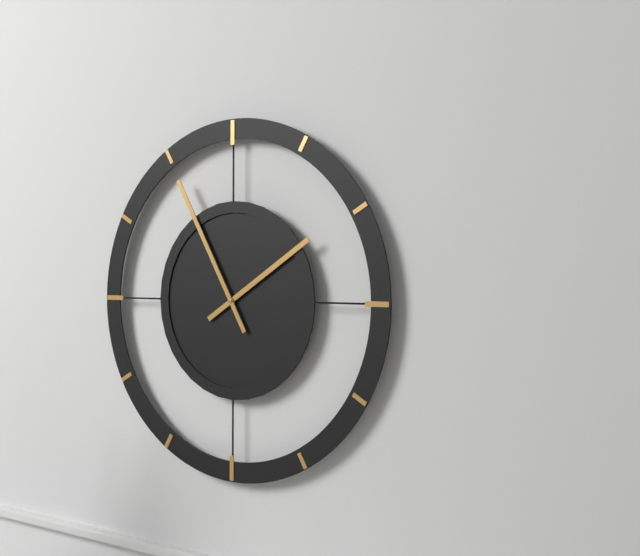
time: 1:55
